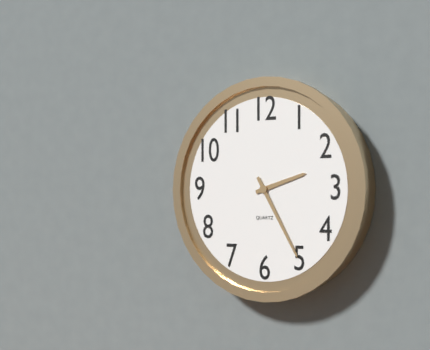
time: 2:25
